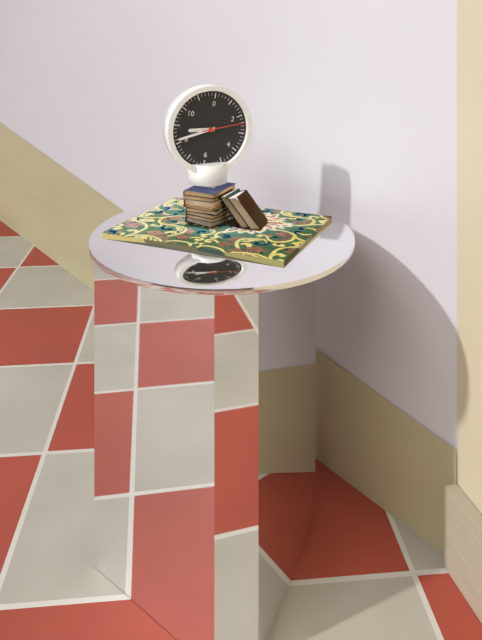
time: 8:41
